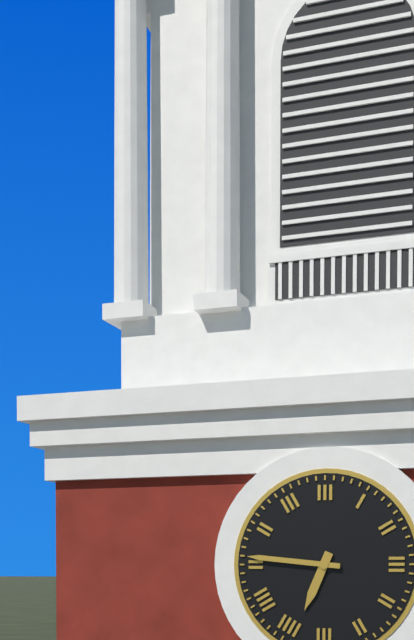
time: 6:46
